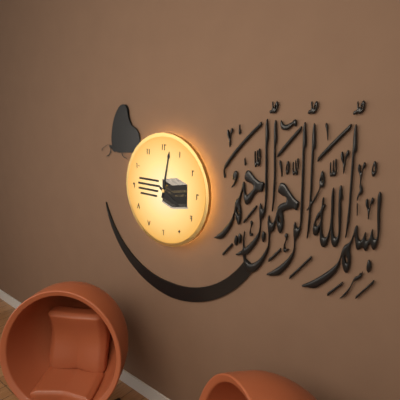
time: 4:02
